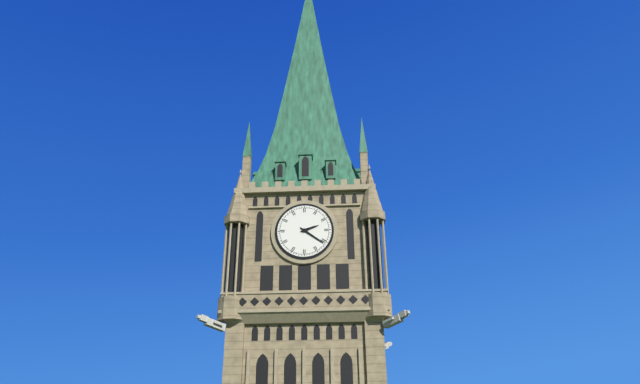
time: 2:21
